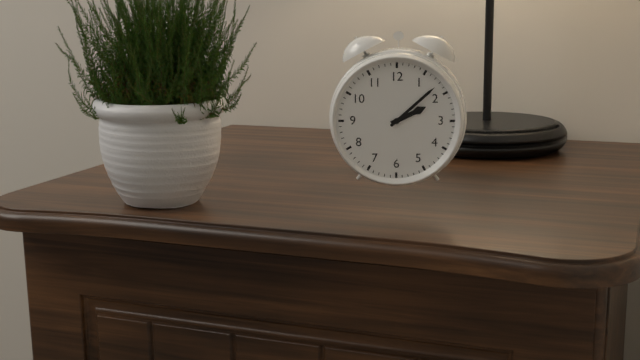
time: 2:08
